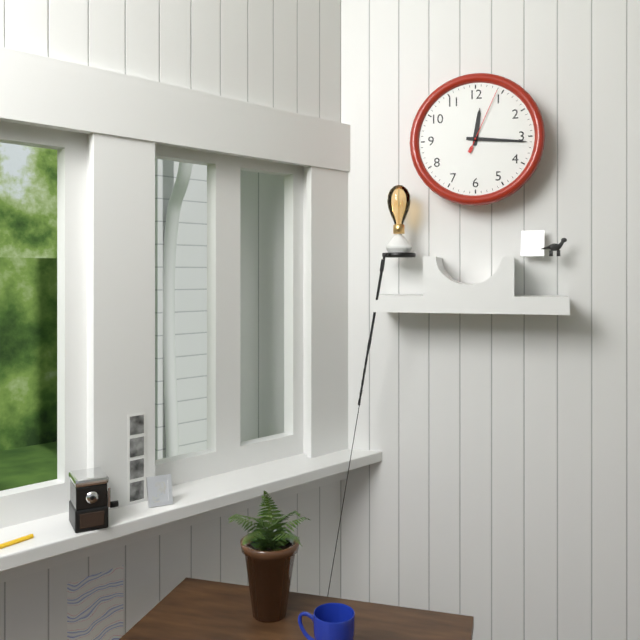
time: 12:16:04
